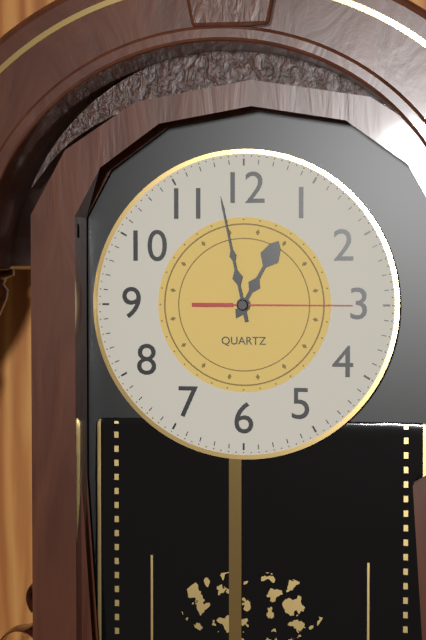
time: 12:58:15
